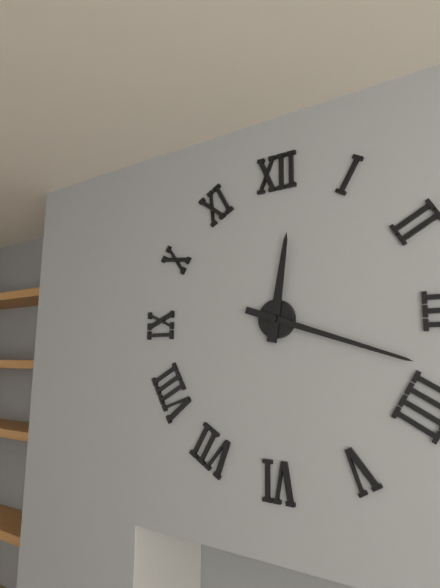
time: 12:18
